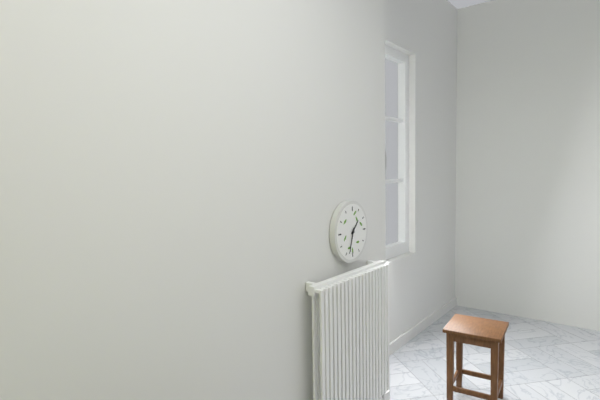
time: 1:33
